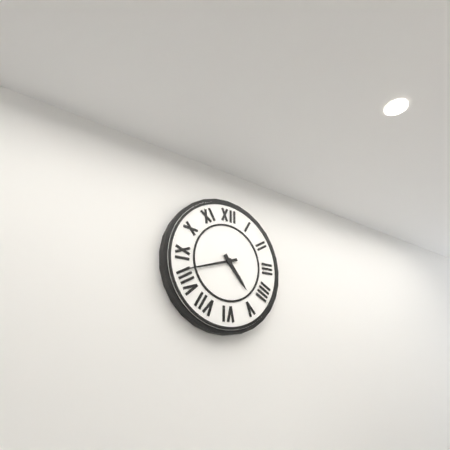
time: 4:42
